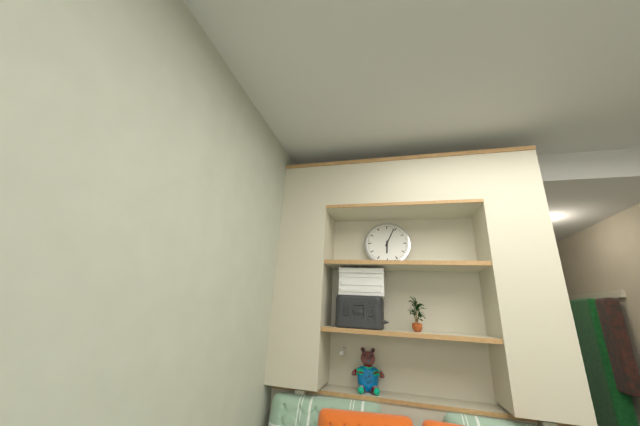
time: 6:04
